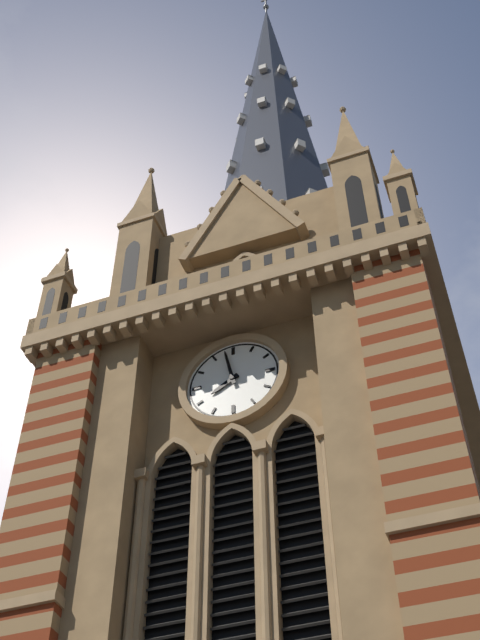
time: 7:58
